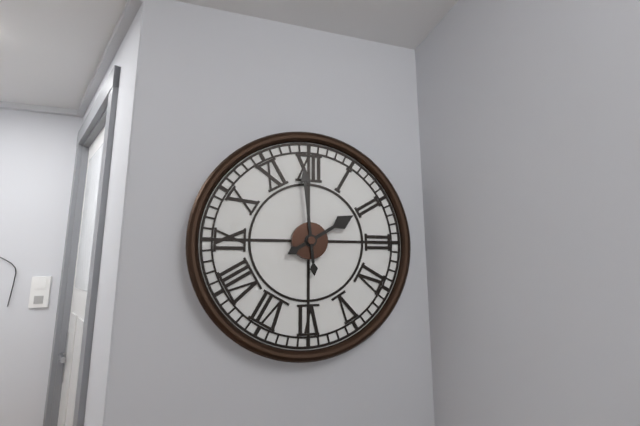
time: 1:59
